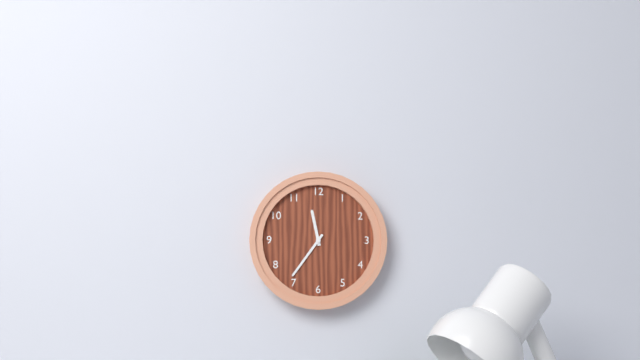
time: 11:36
